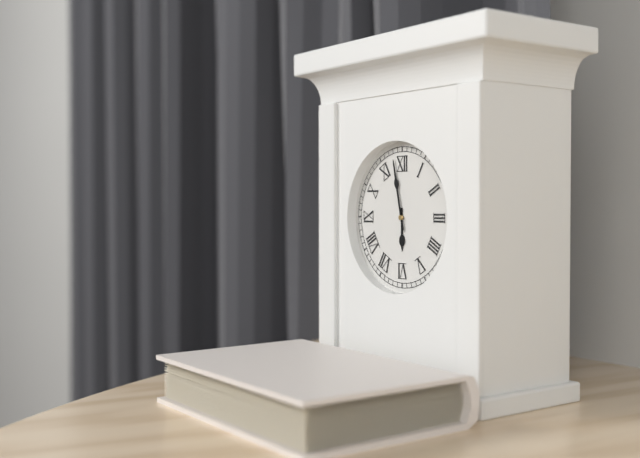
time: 5:58
